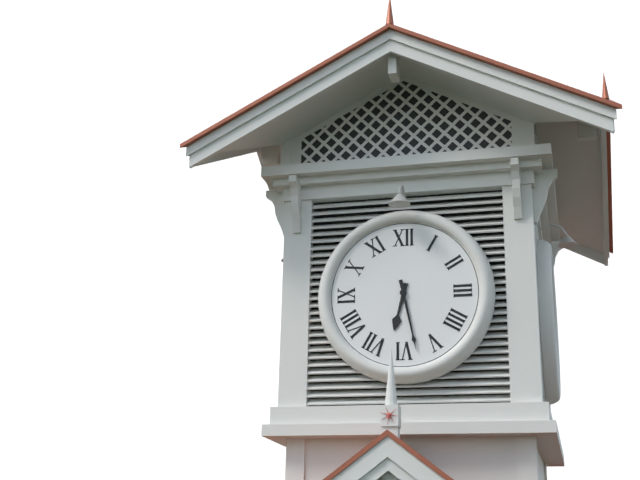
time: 6:28
